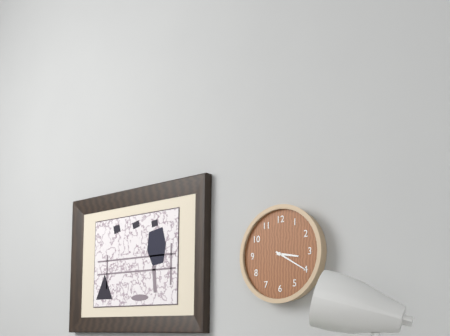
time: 3:20
